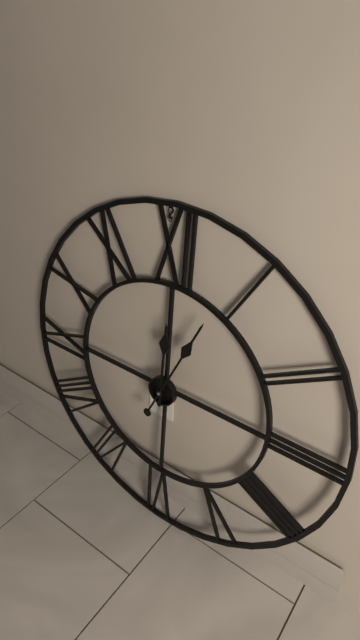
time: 12:04
